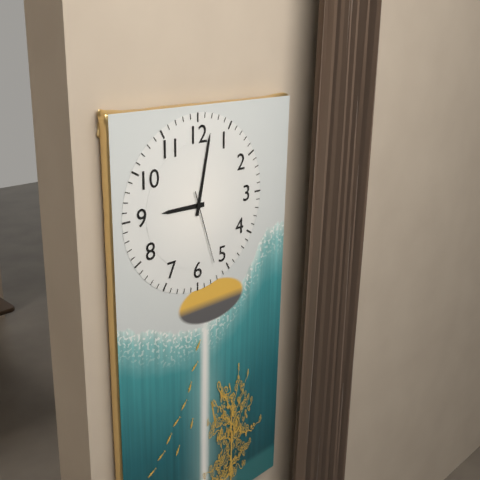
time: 9:02:27
